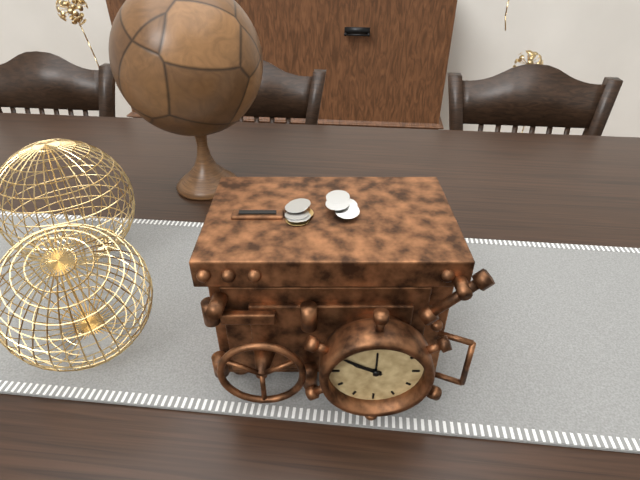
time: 9:50
